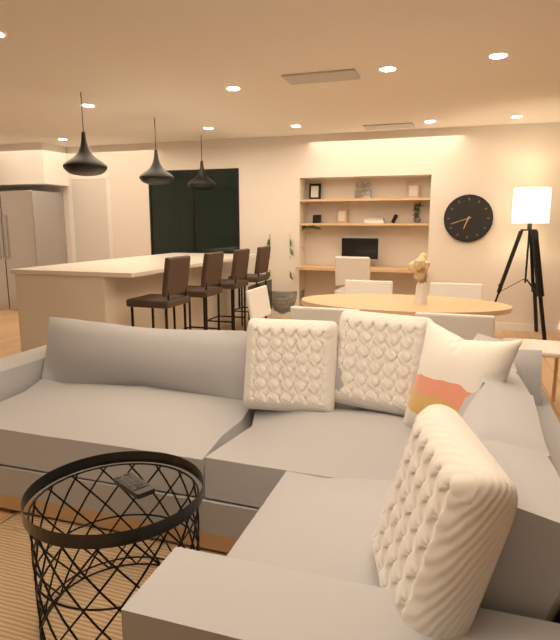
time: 6:42
